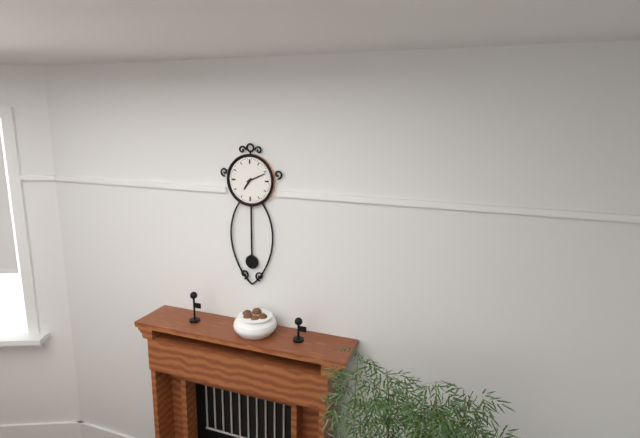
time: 7:11
